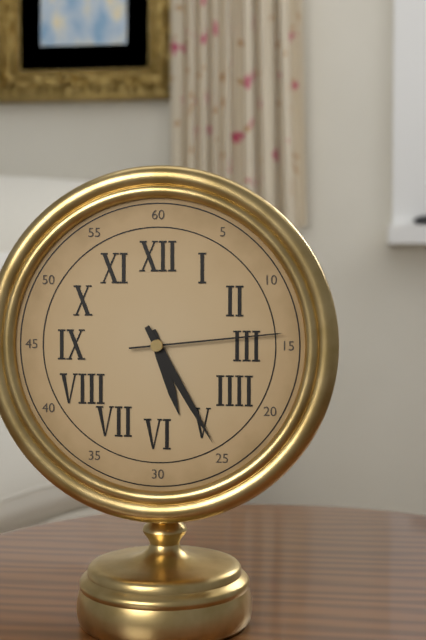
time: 5:25:14
